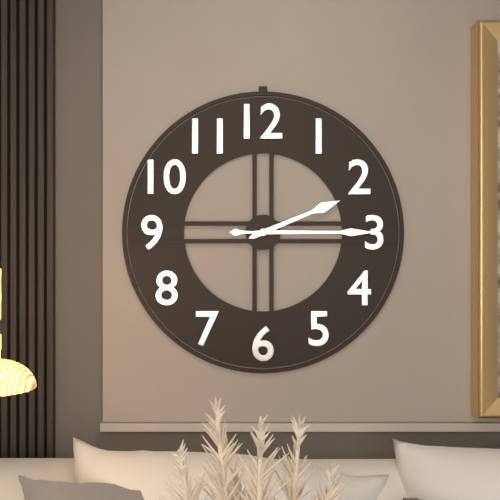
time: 2:15
